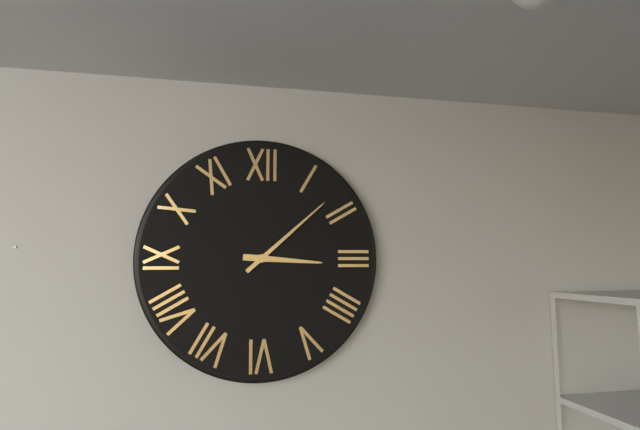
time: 3:08
